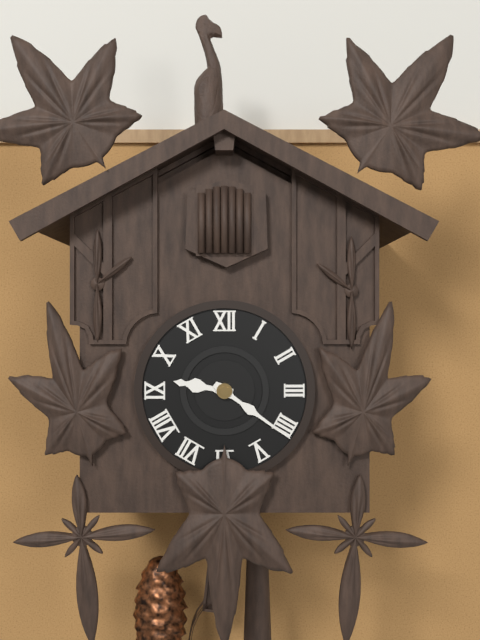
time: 9:21
